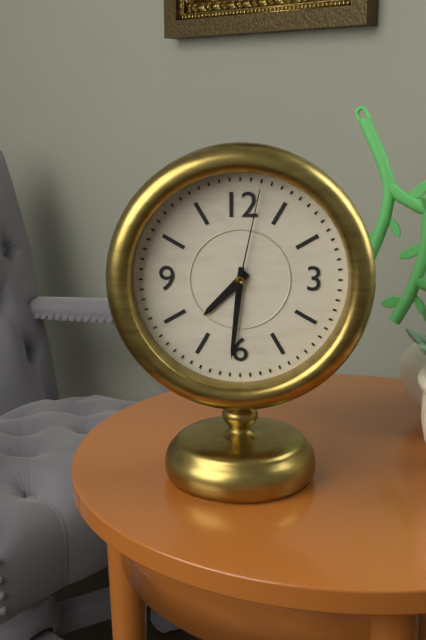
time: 7:31:02
